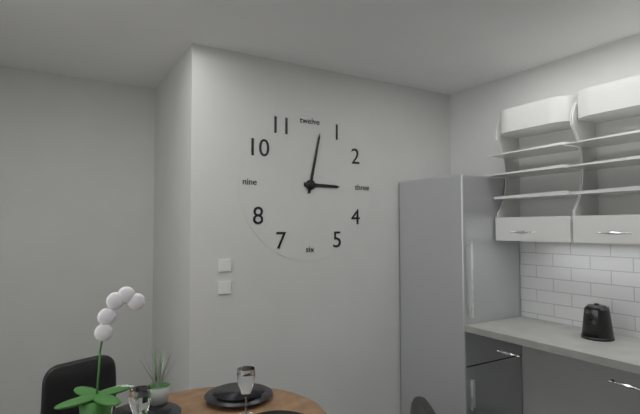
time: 3:02
